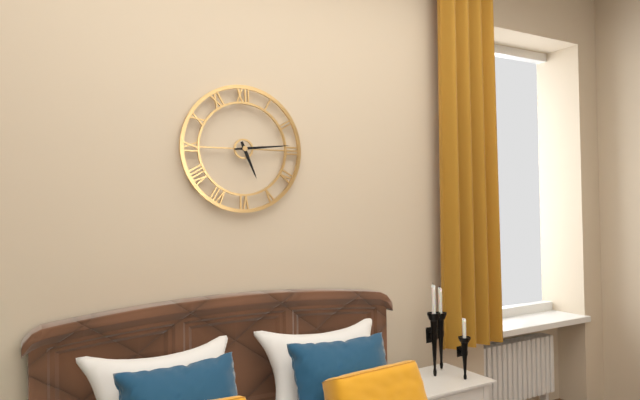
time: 5:14
